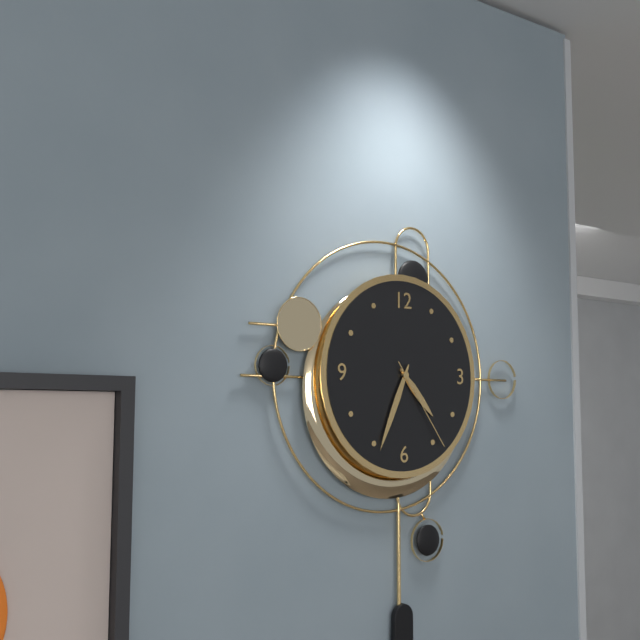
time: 4:34:24
